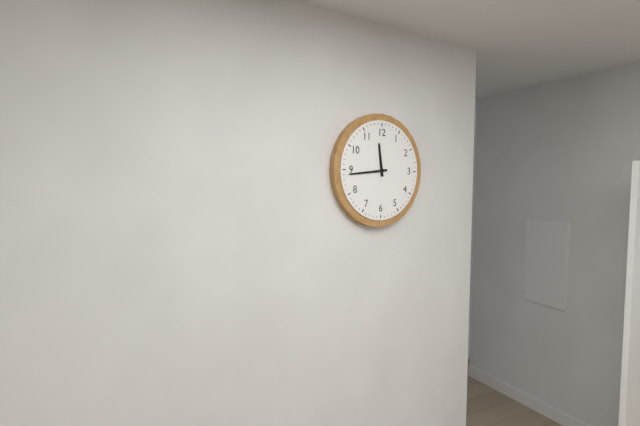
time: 11:44
